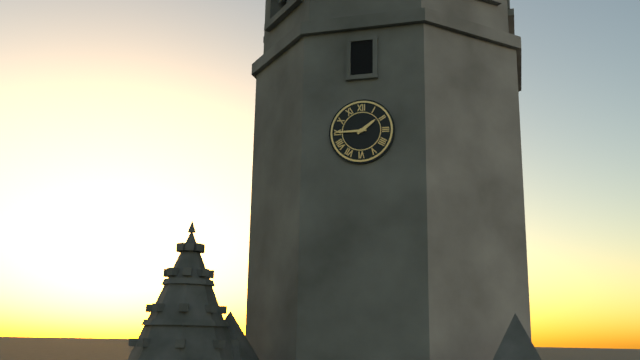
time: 1:45
